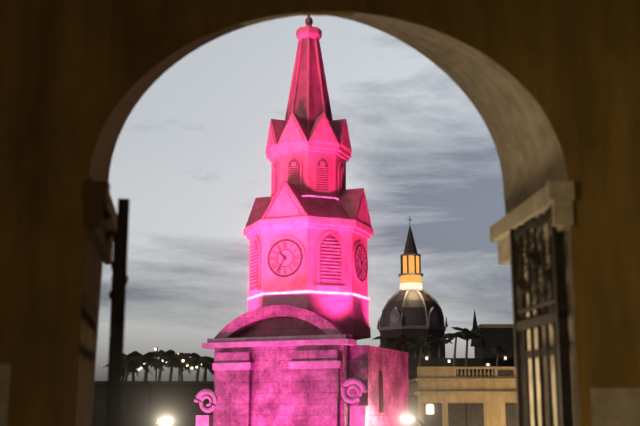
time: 10:35
